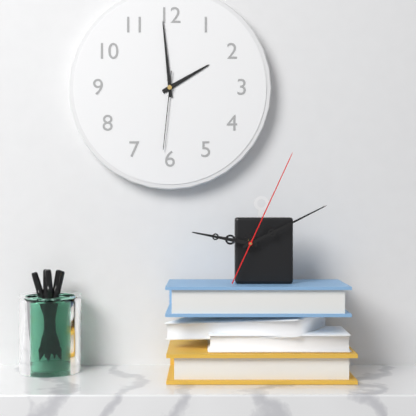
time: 1:59:31
